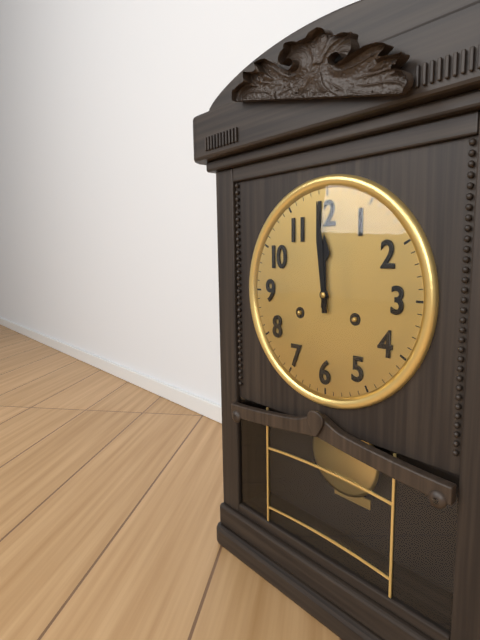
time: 11:59
